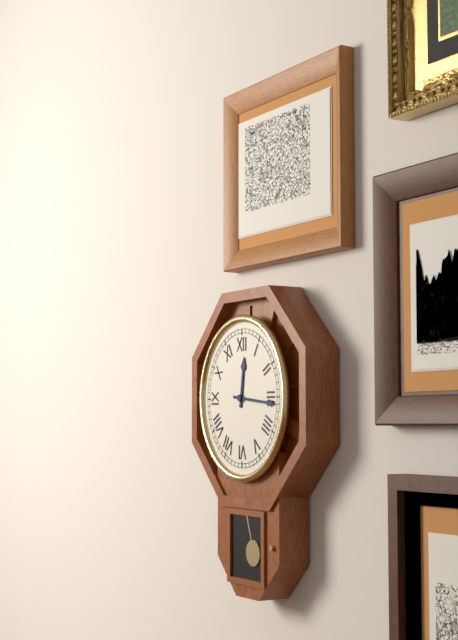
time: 12:16
